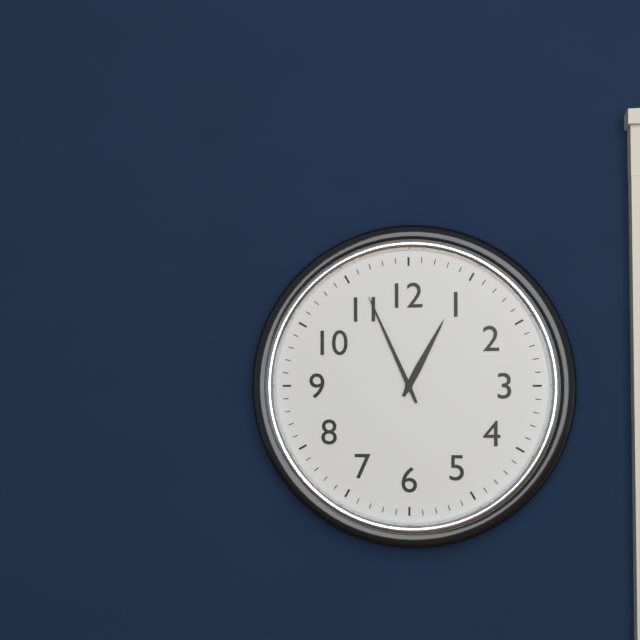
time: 12:56
